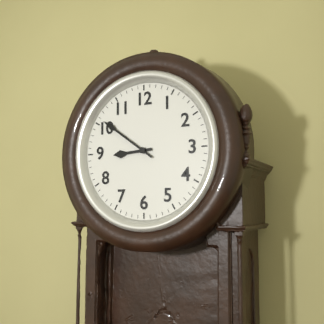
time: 8:51
